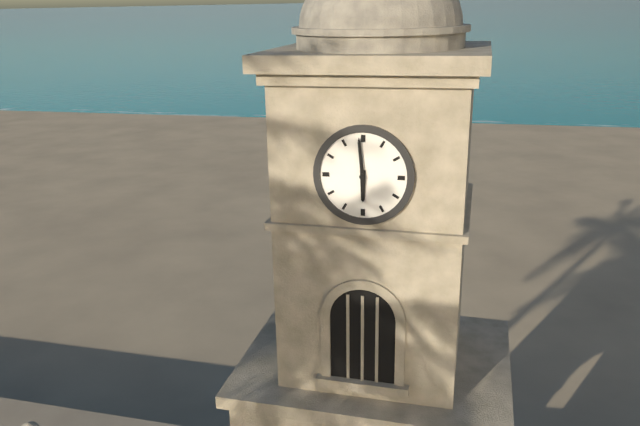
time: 5:59
